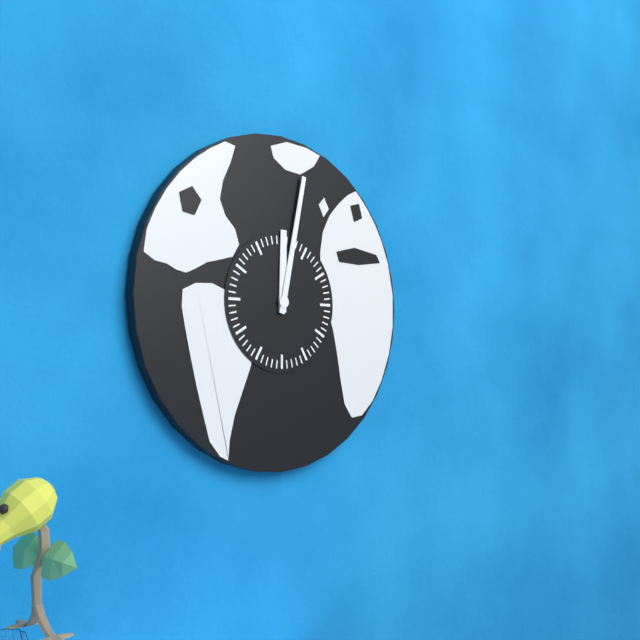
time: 12:02
